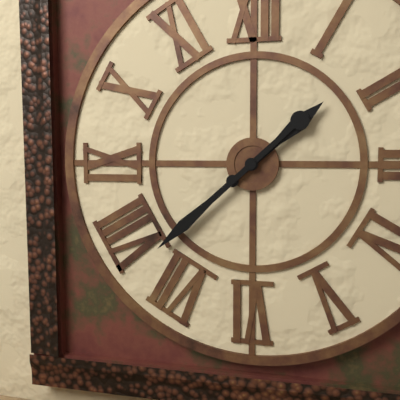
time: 1:38
